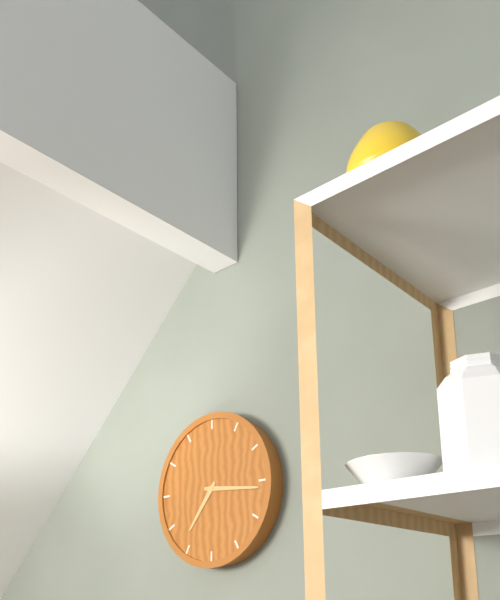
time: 7:16
